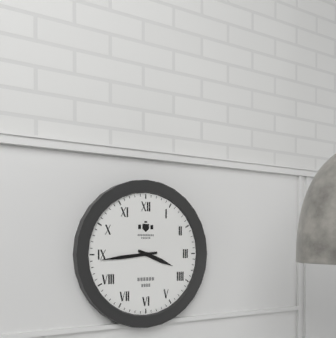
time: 3:44
